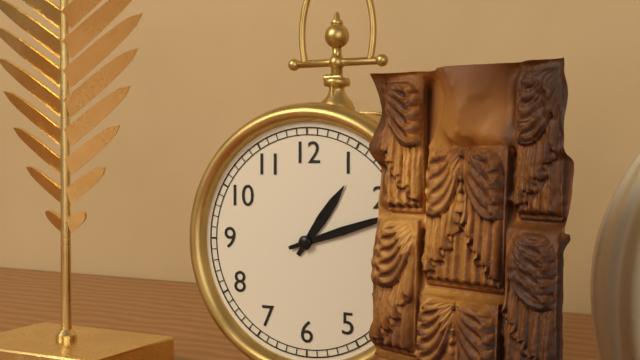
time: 1:12
